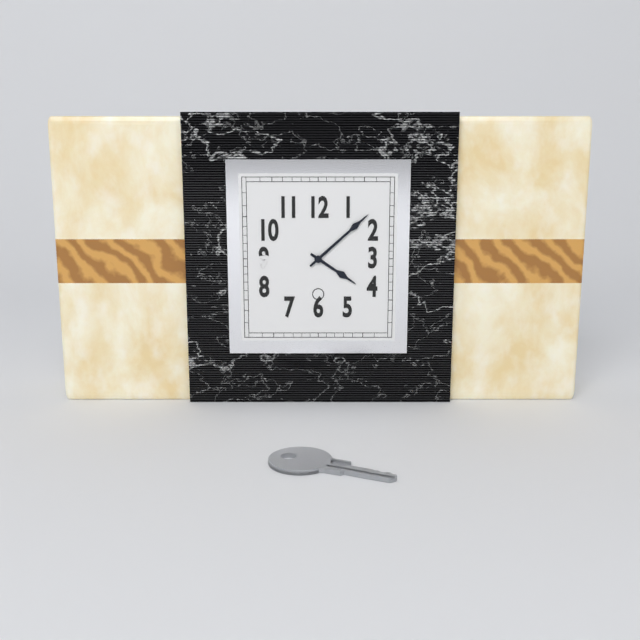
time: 4:08
